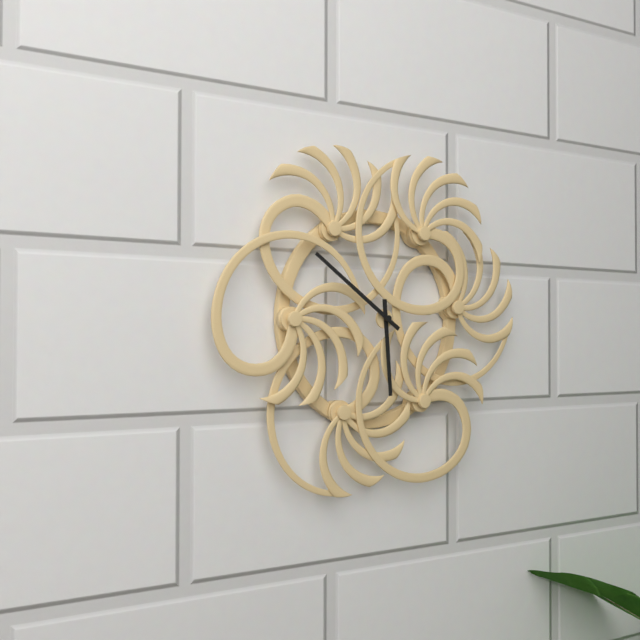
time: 5:51
